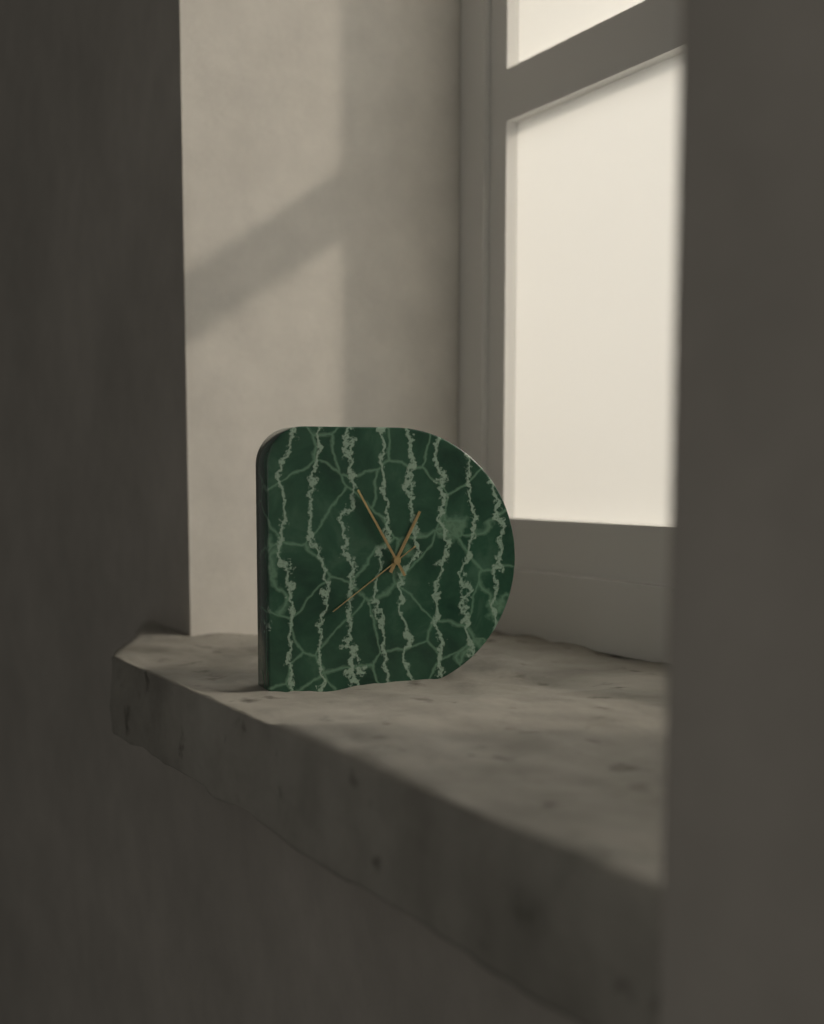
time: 12:55:39
